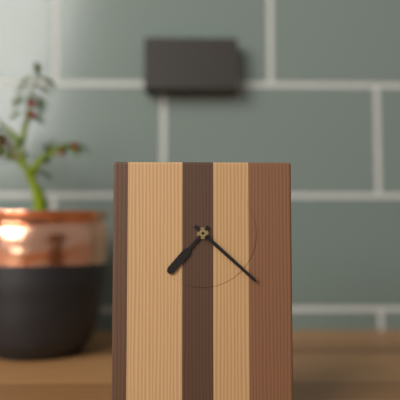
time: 7:22
